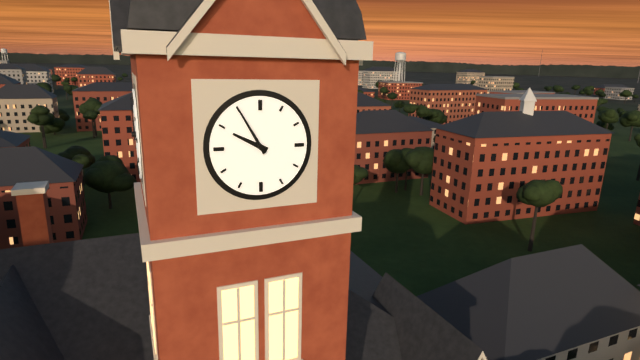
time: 9:55
